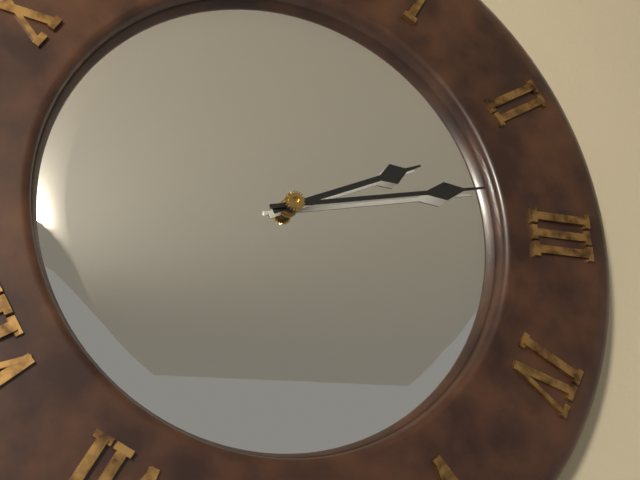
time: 2:13
